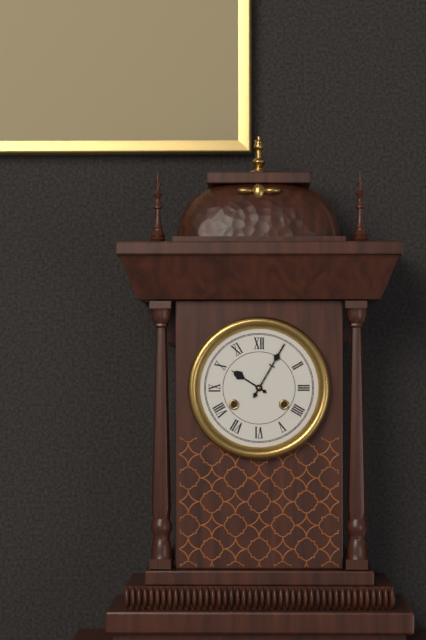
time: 10:05
